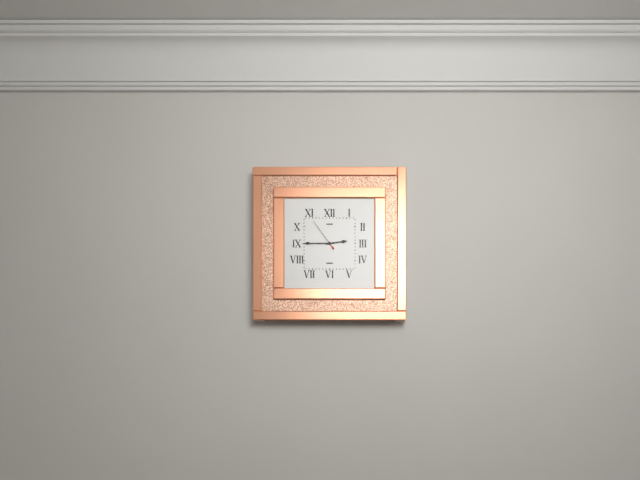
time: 2:45
